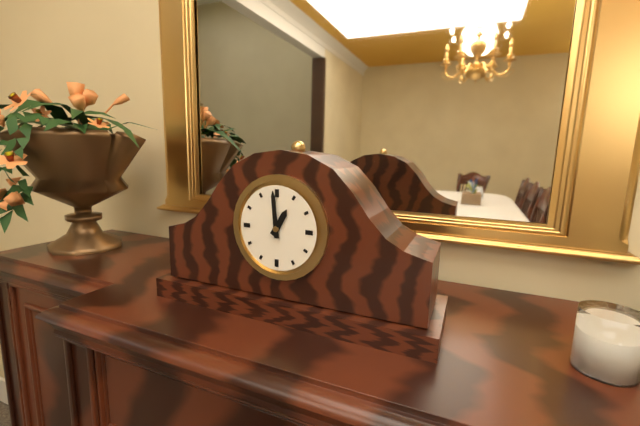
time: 12:59
